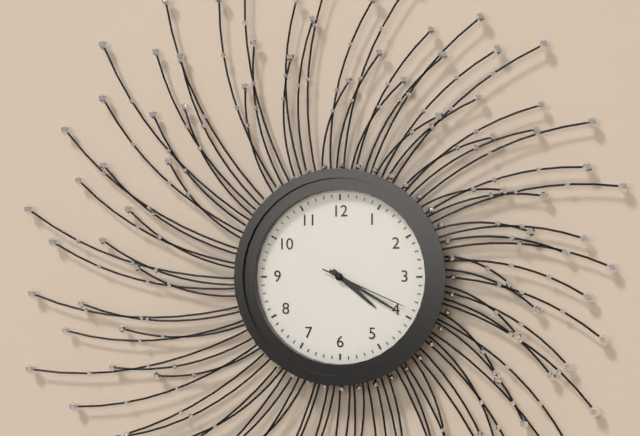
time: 4:20:19
